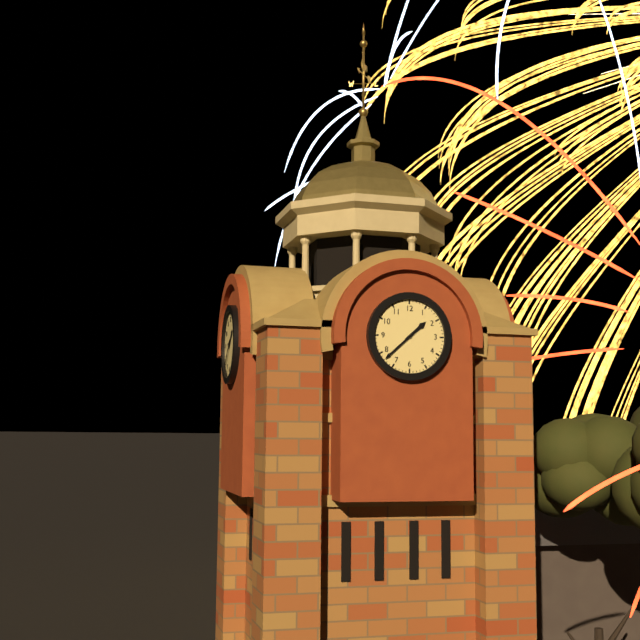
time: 1:38
